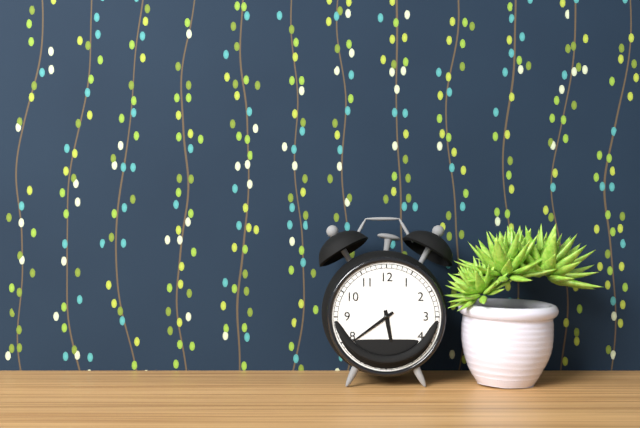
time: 5:39
